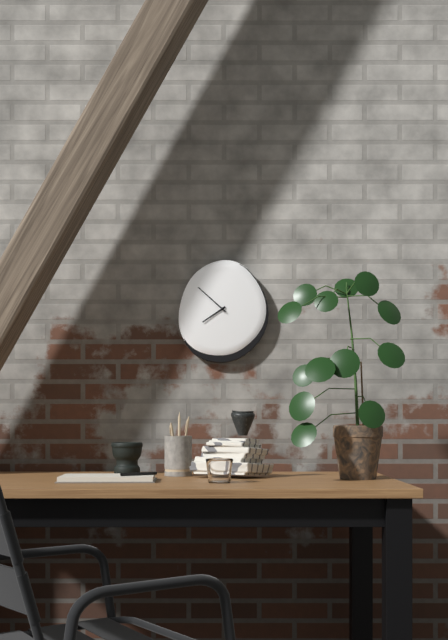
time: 7:52
